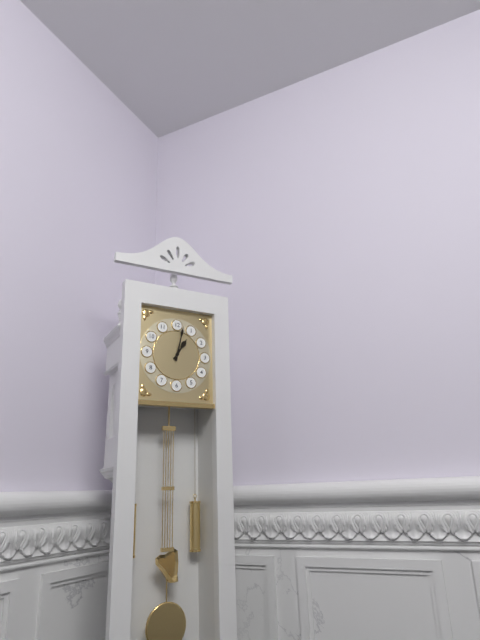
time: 1:02
